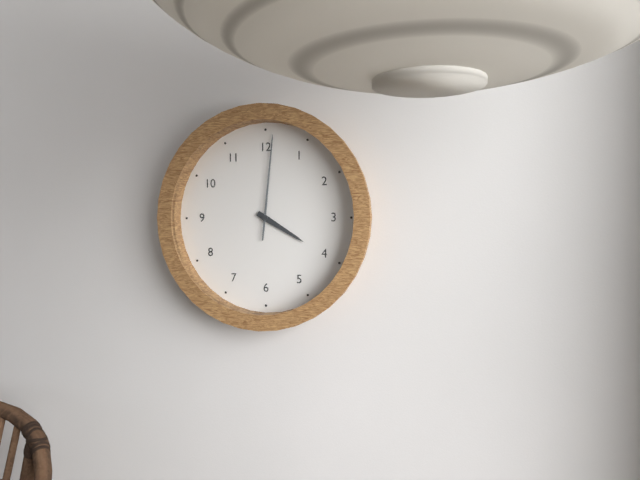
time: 4:01
